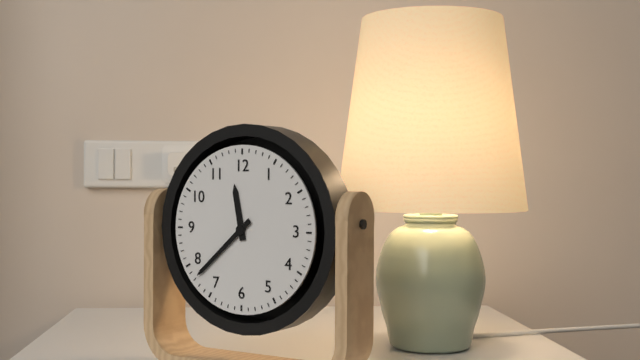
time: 11:38
